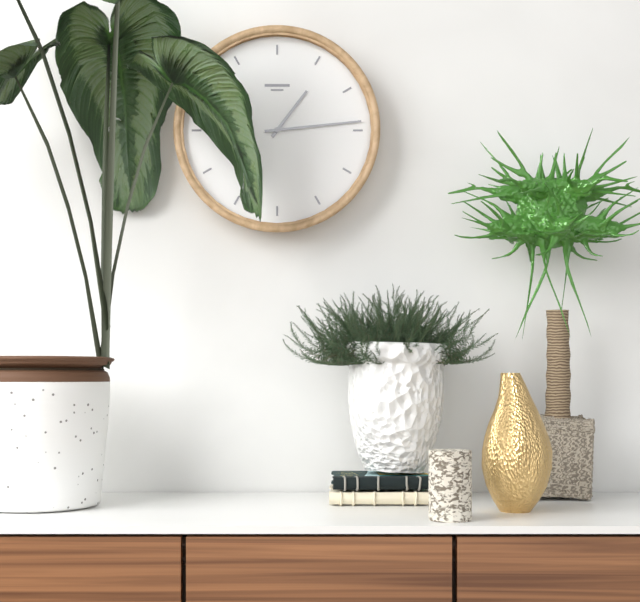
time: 1:14
